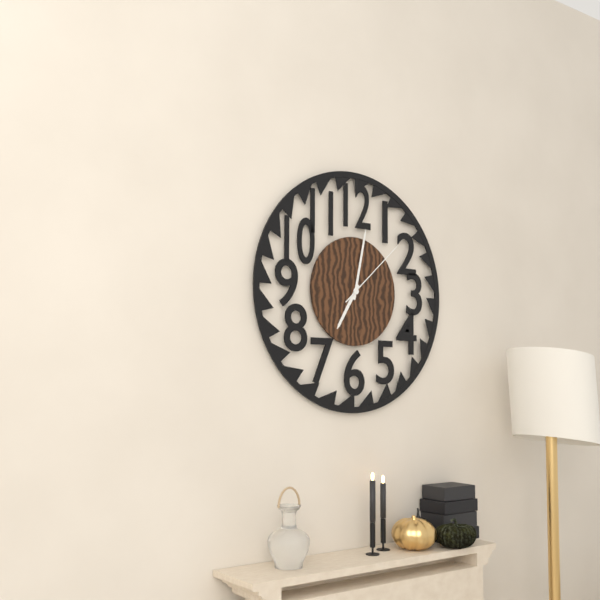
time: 7:02:08
